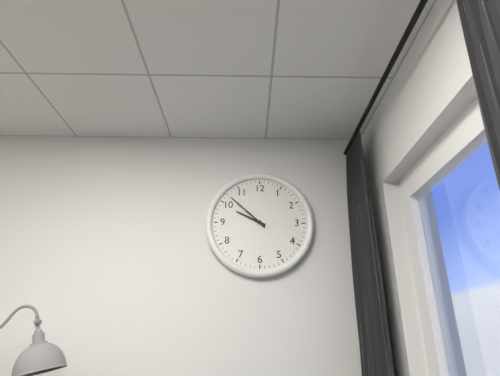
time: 9:52
